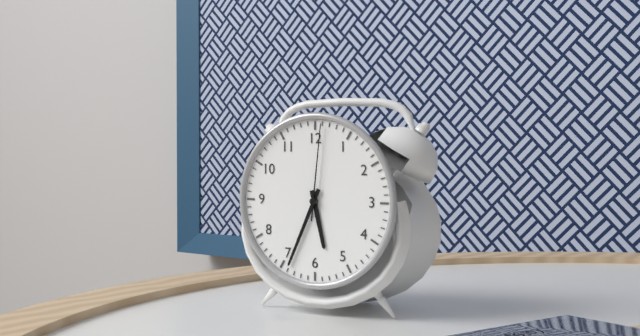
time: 5:34:01
